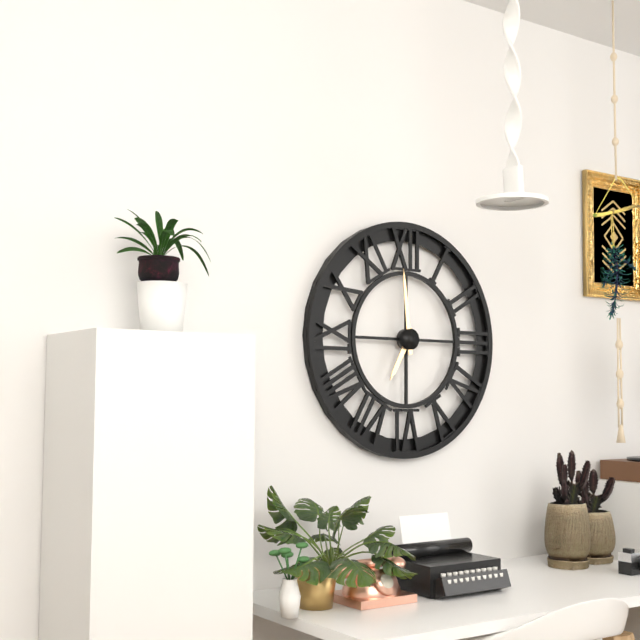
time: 6:59
